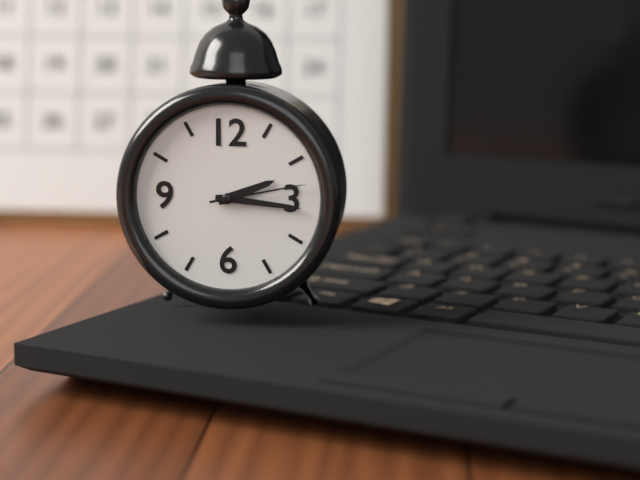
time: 2:16:13
